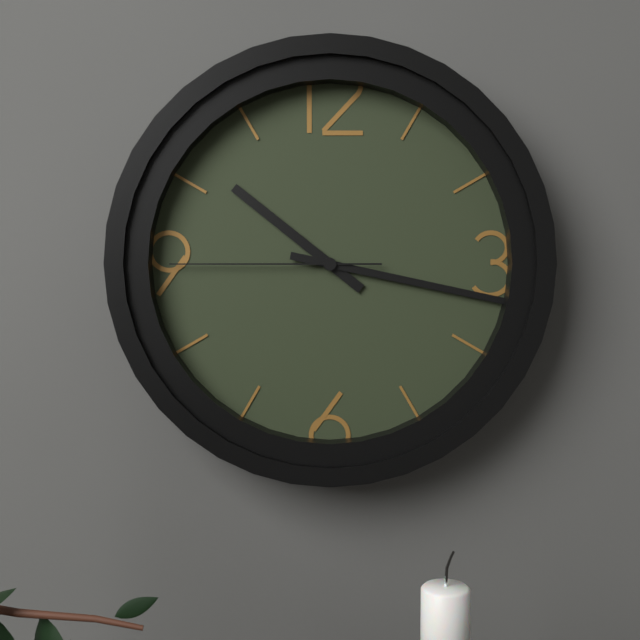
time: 10:17:45
